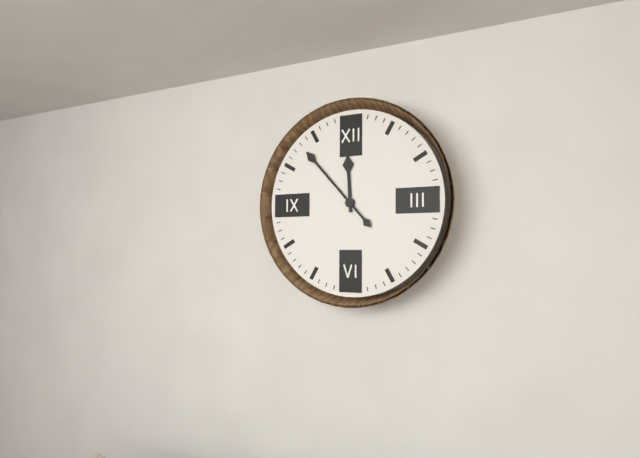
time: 11:53
